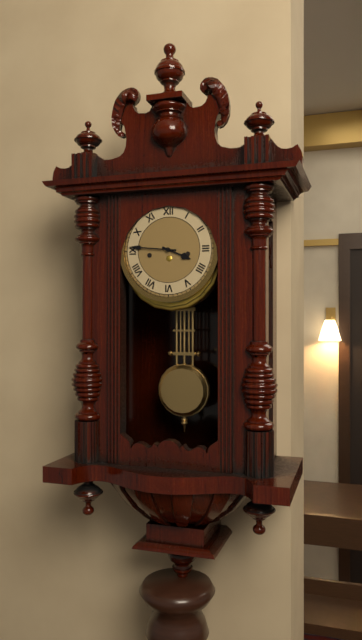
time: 3:46
